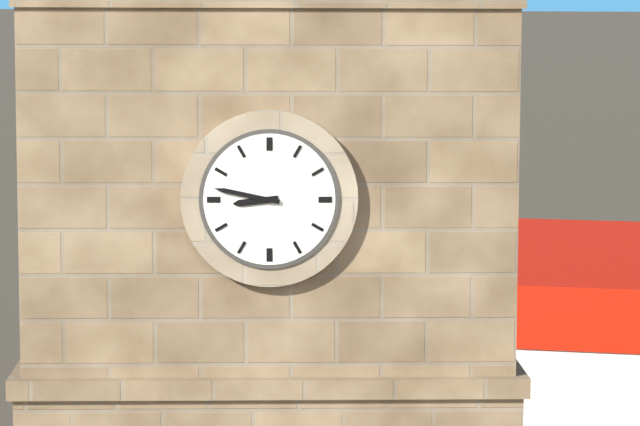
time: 8:47
